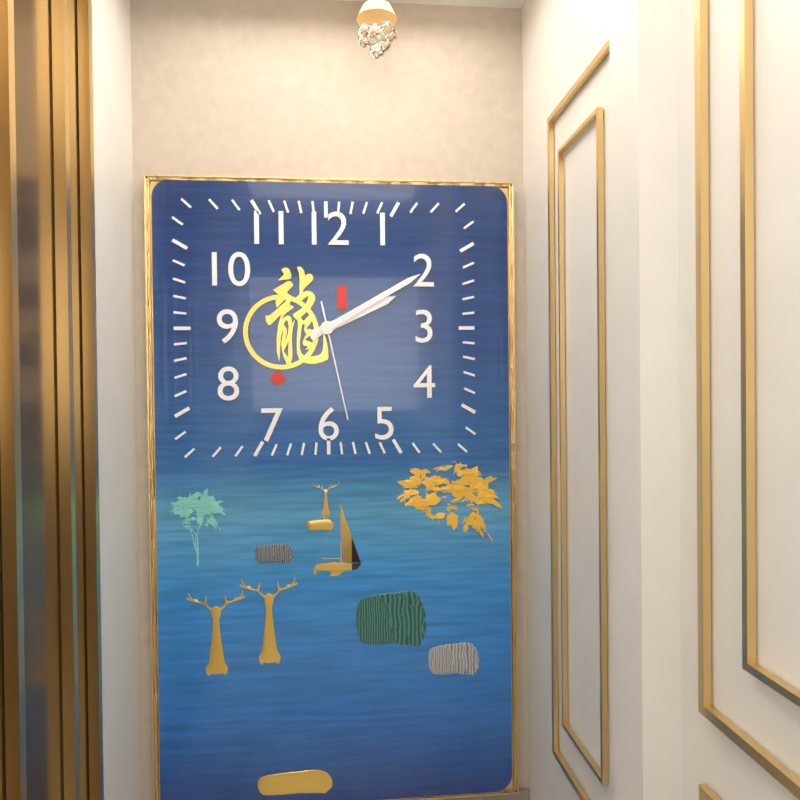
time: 2:10:28
